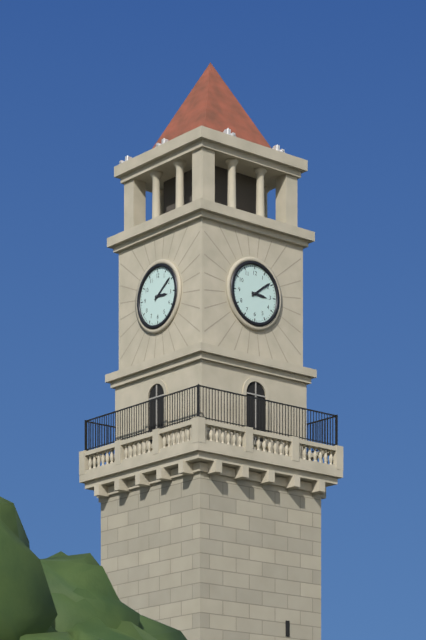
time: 3:09
